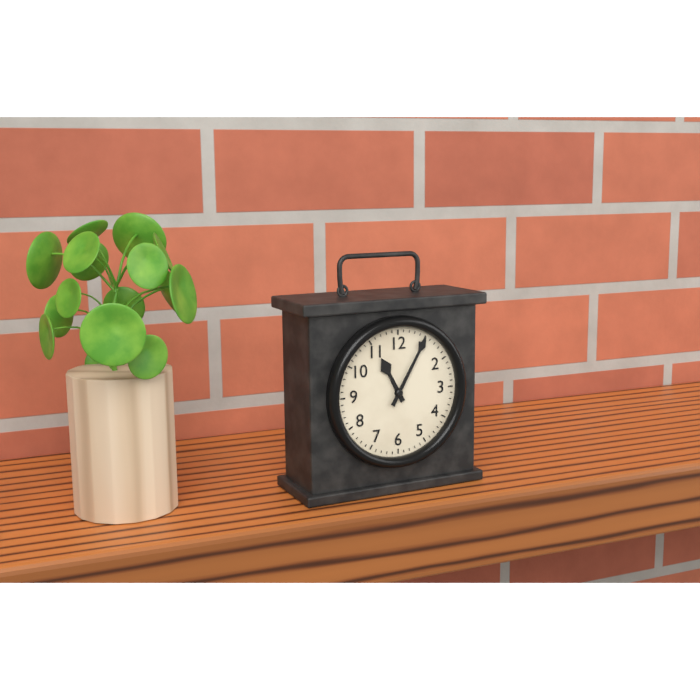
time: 11:05
